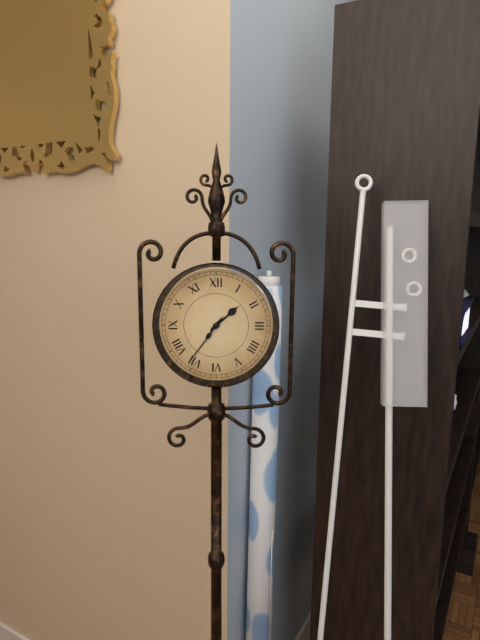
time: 1:36
